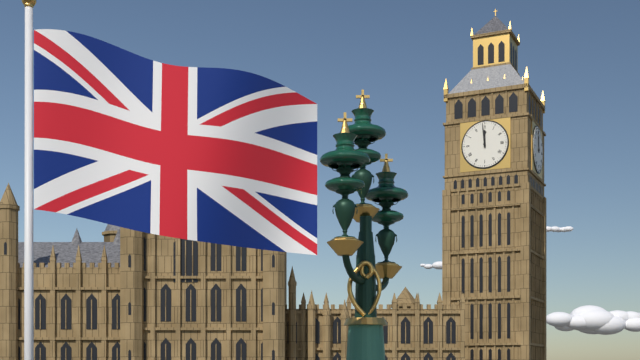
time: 11:59
